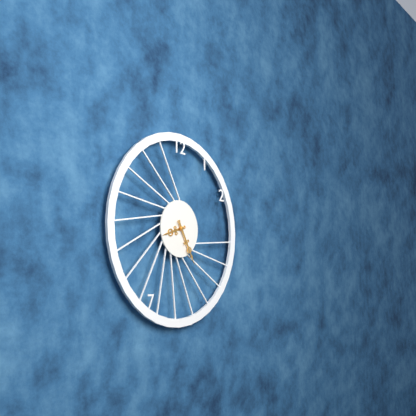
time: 8:25
